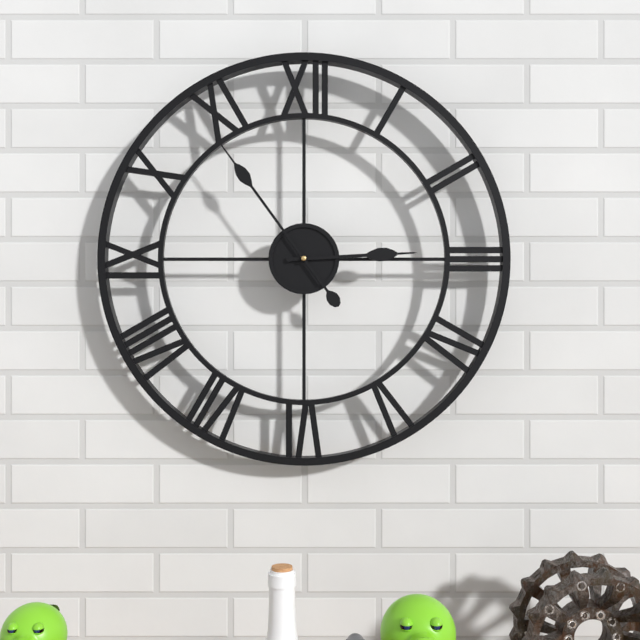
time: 2:54
